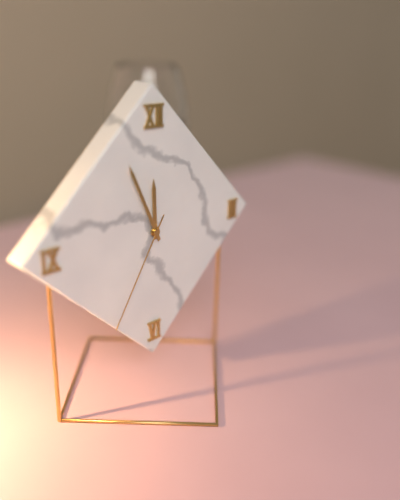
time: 11:56:35
